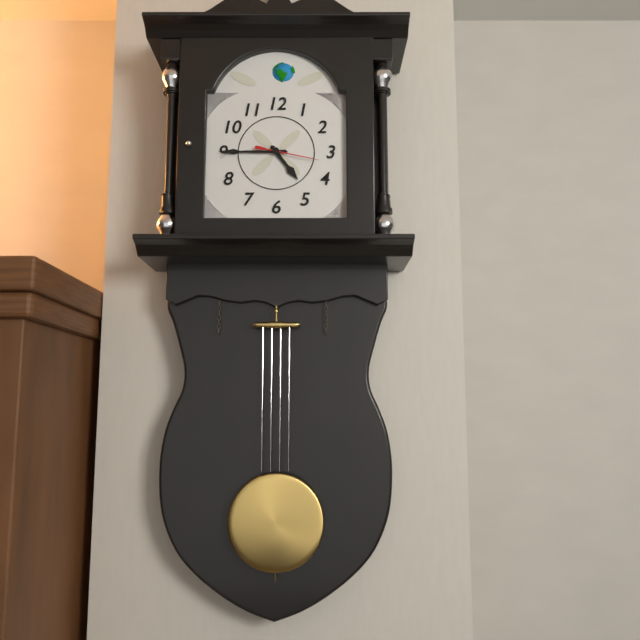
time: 4:45:17
